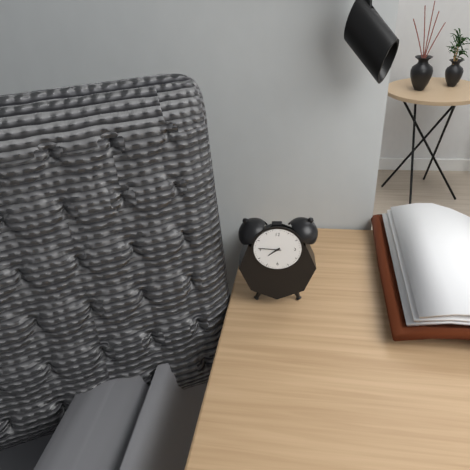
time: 7:46
